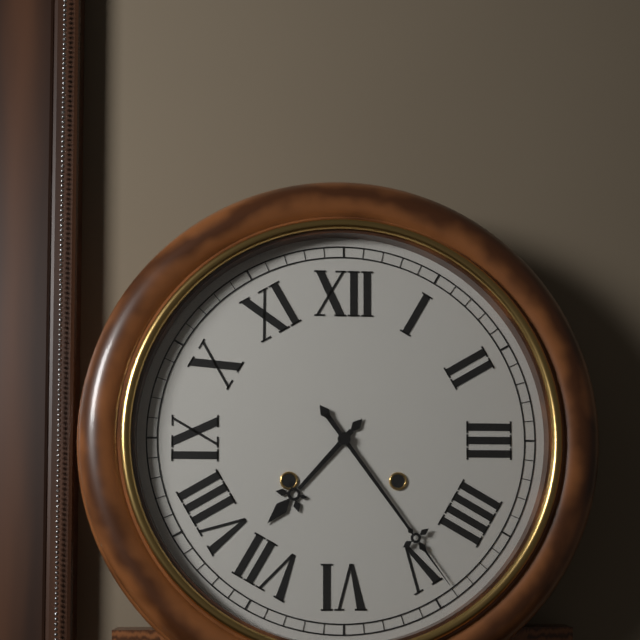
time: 7:24
